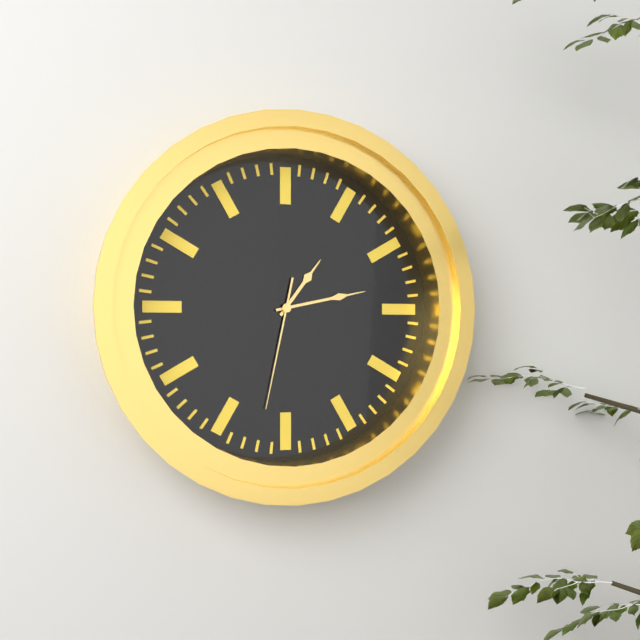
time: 1:13:32
